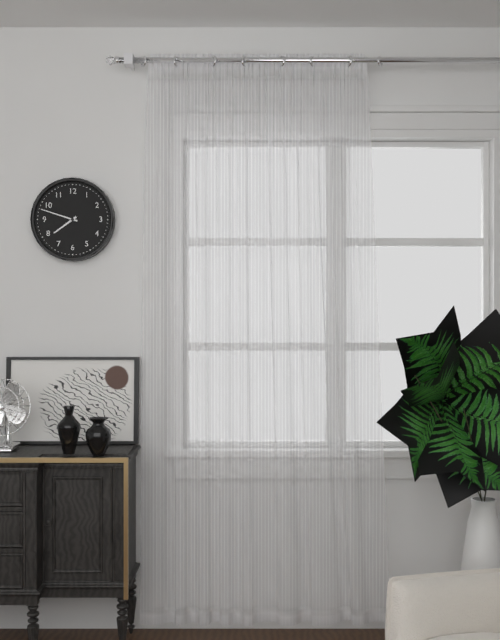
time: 7:48
